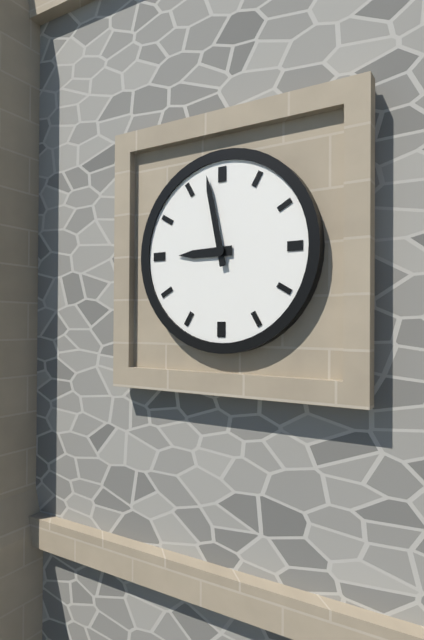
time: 8:58
